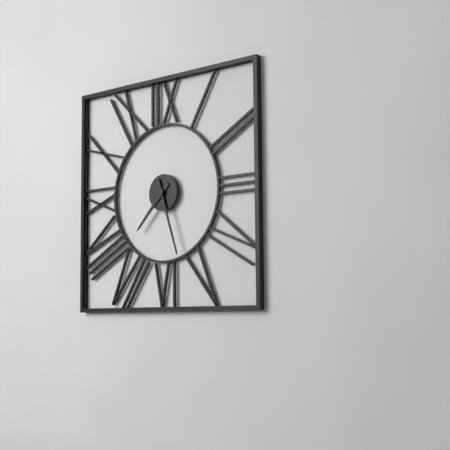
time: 7:27
